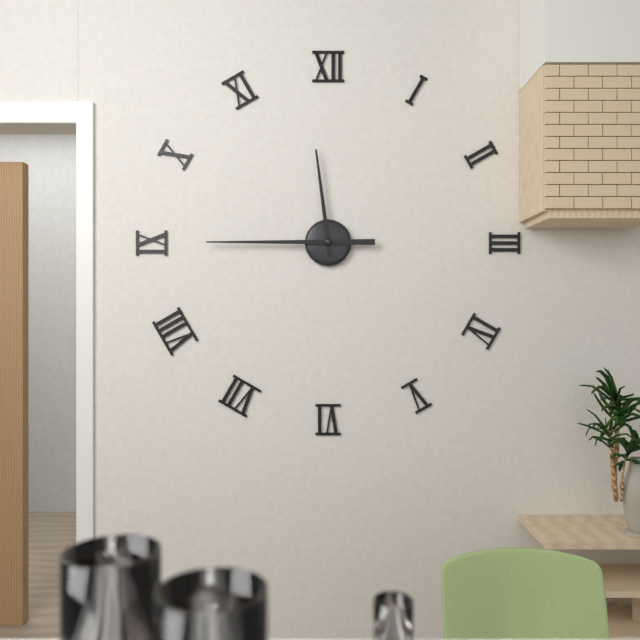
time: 11:45
